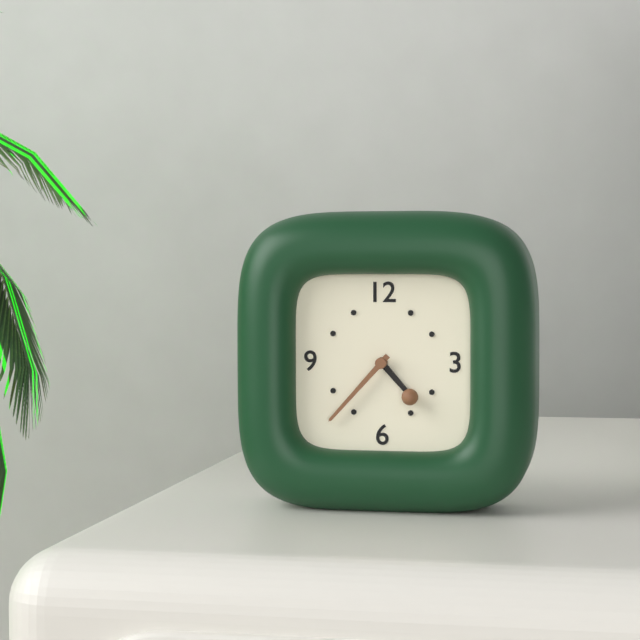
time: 4:37
